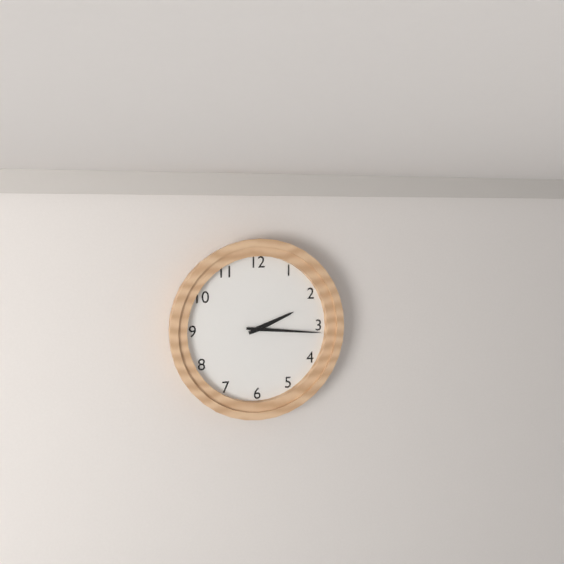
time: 2:16
